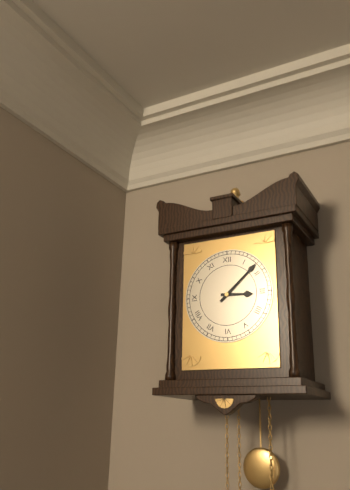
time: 3:08
